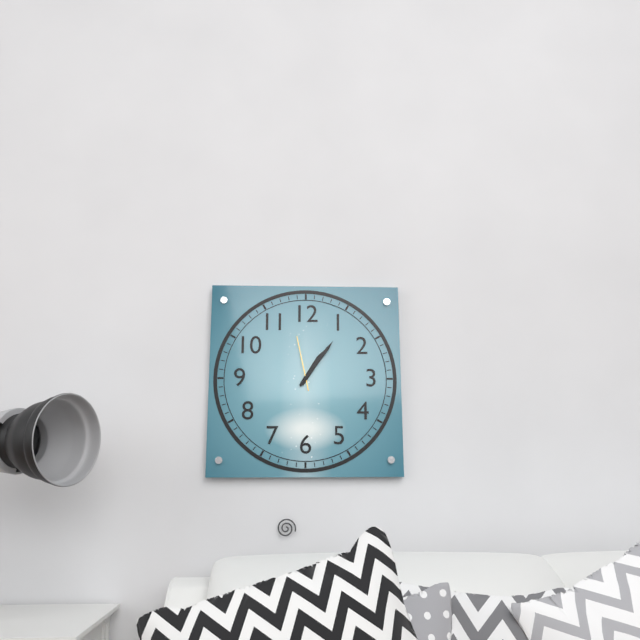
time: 1:06:58
